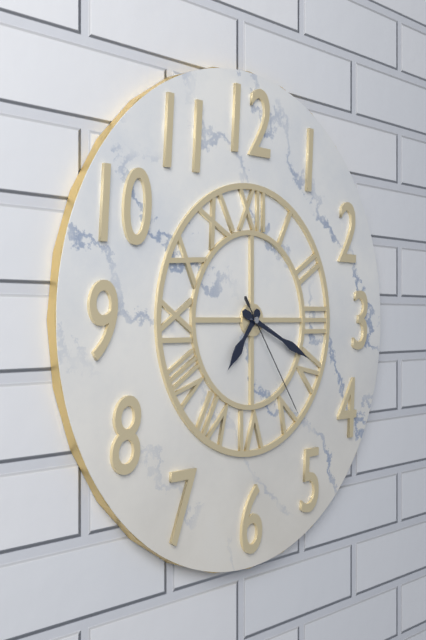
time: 7:19:24
